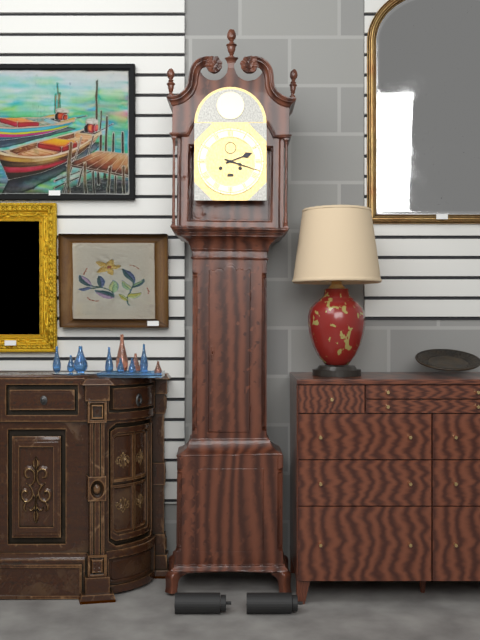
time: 2:18
